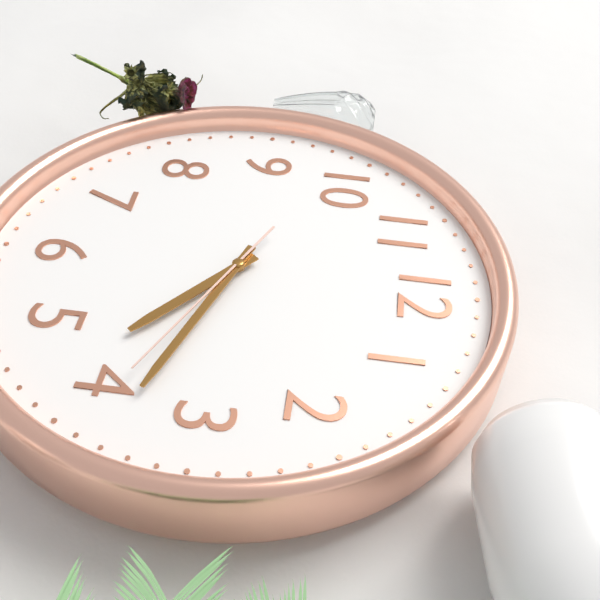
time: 4:18:19
